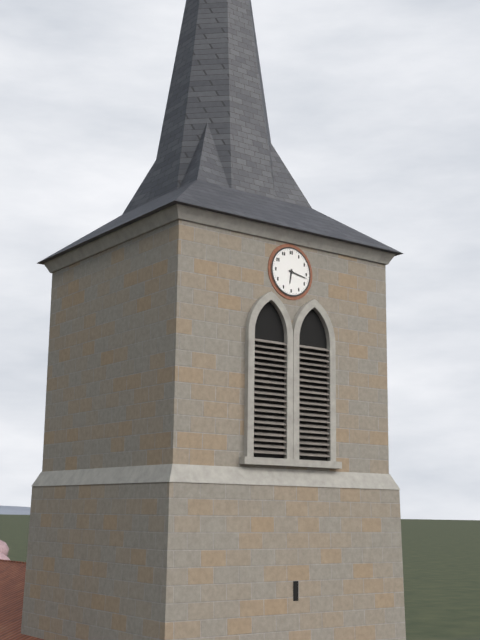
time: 6:17
